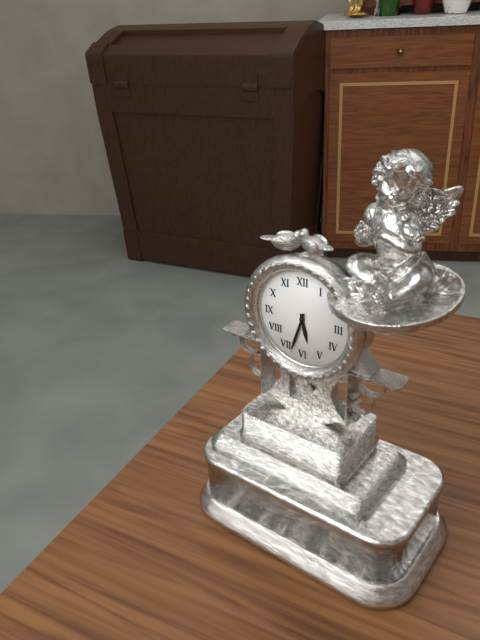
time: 5:33
